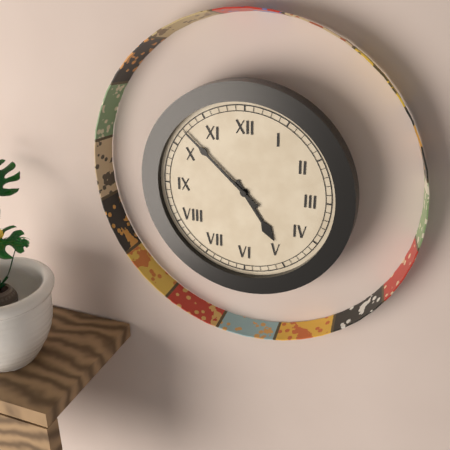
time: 4:52
